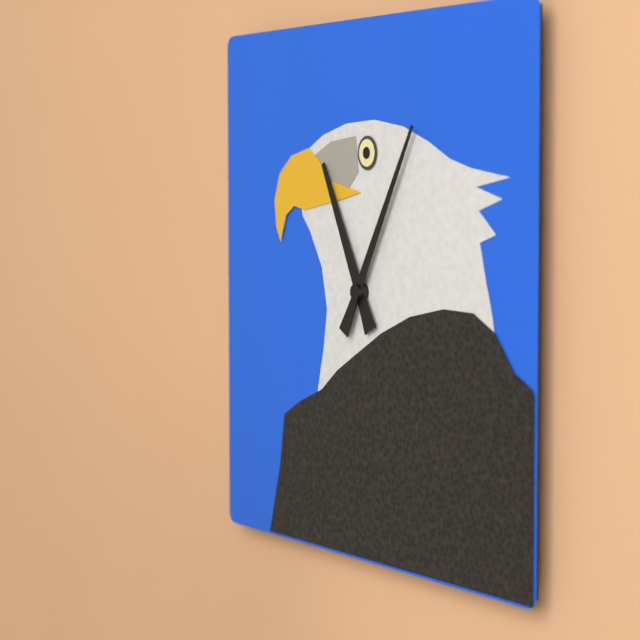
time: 11:05
